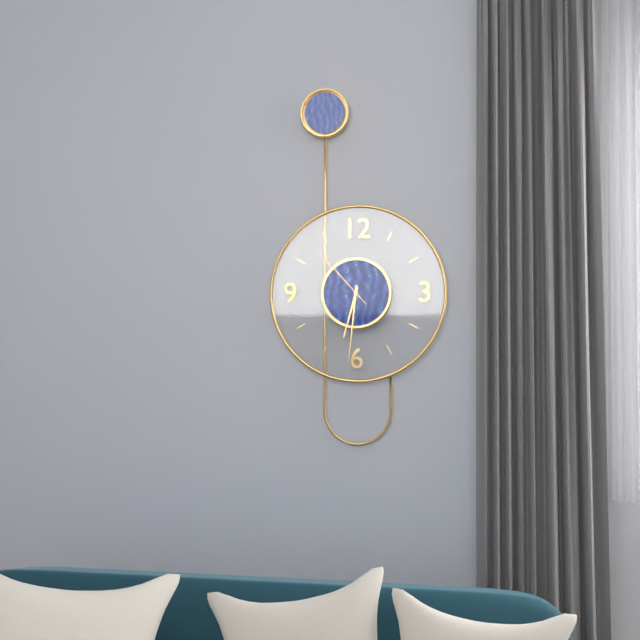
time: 6:31:53
